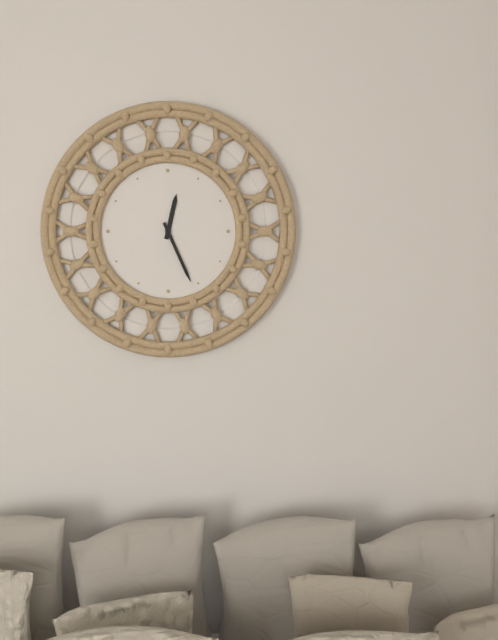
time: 12:26
